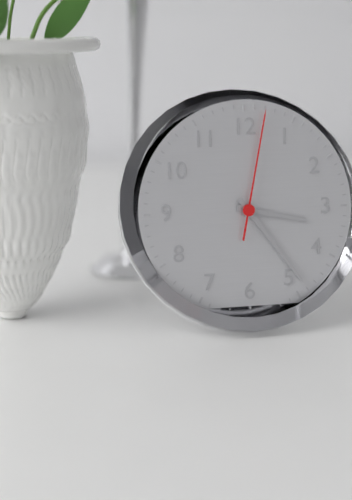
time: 3:24:02
